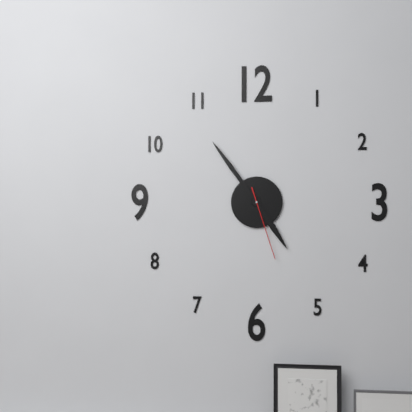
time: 4:54:27
